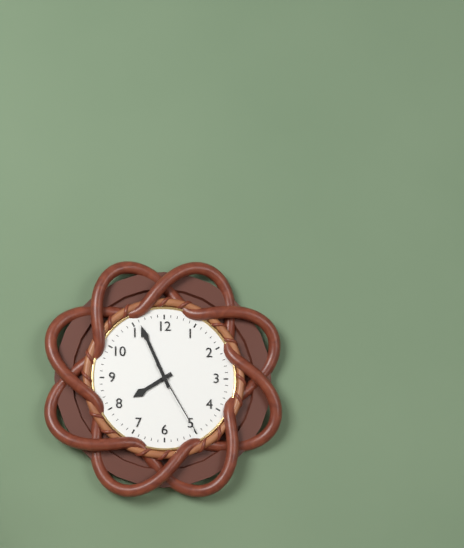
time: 7:56:25
